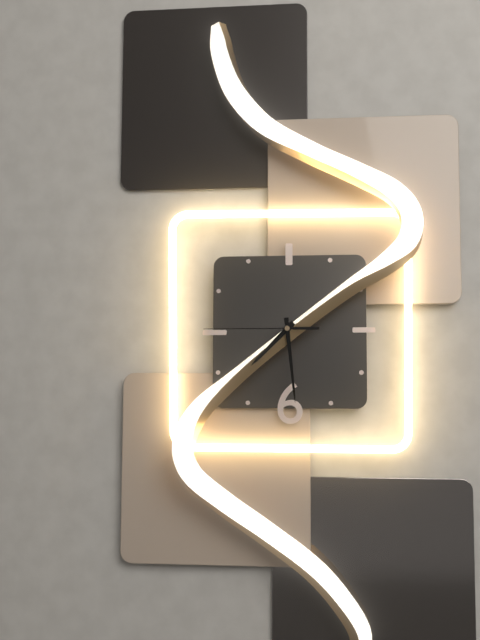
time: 7:29:45
